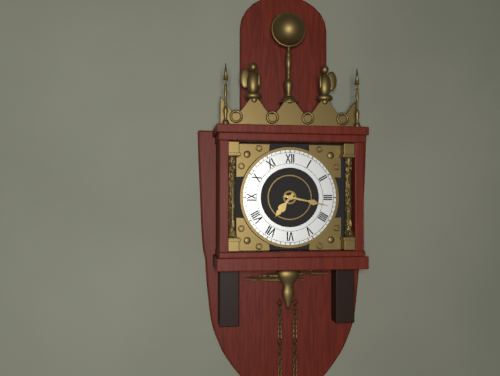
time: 7:17
